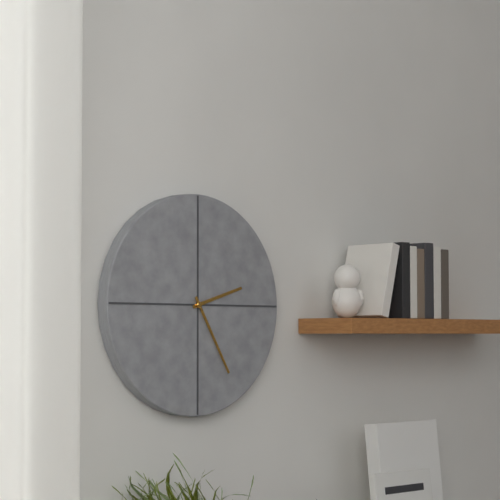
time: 2:25
